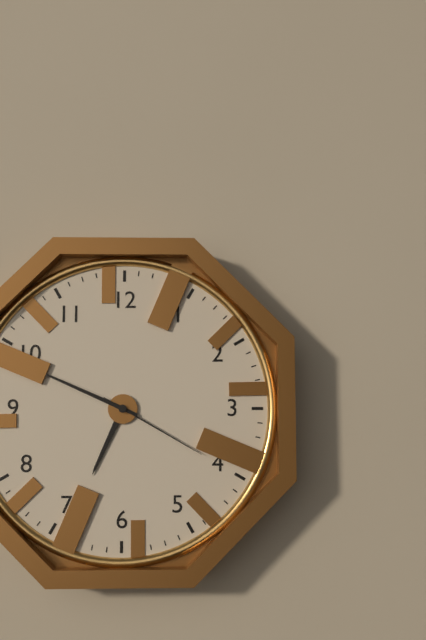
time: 6:49:20
